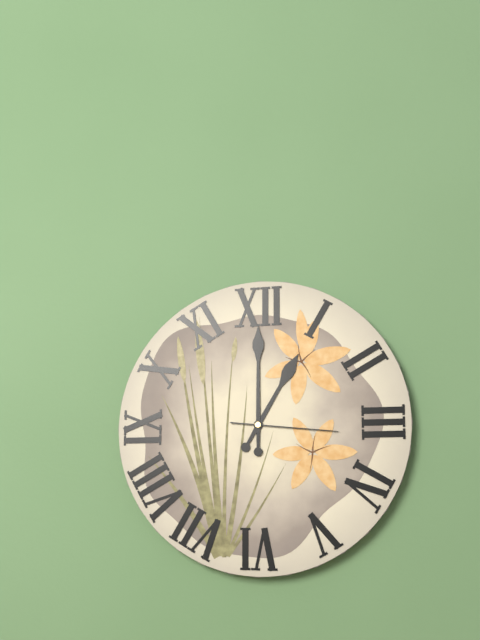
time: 1:00:16
